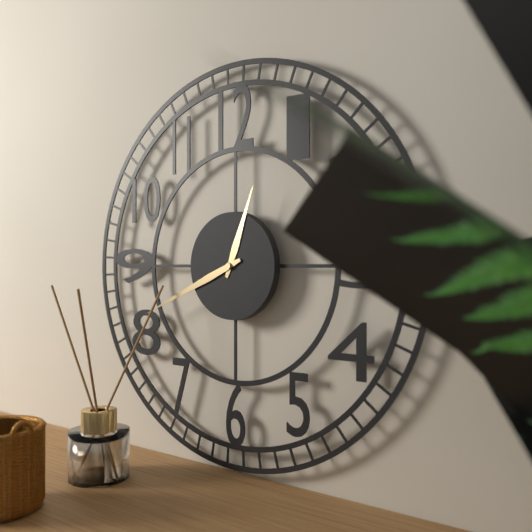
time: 12:41
